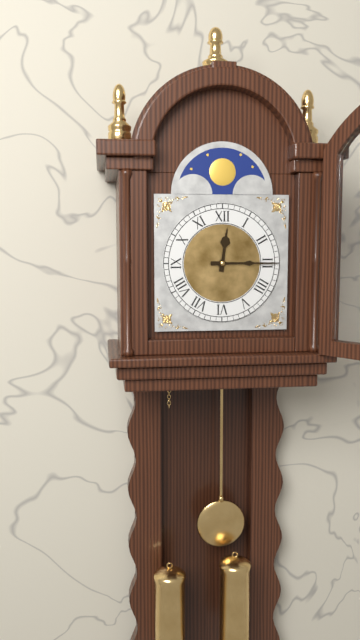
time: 12:15
